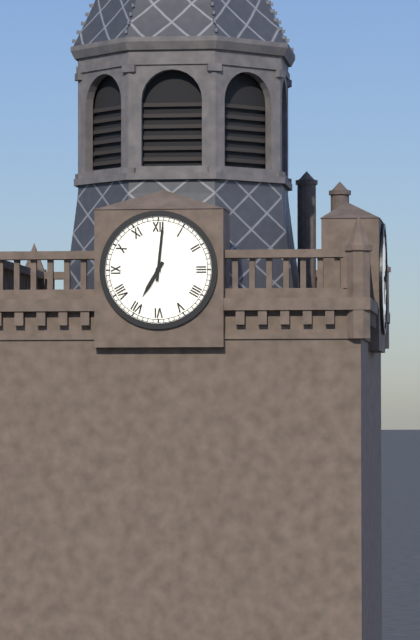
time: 7:01
